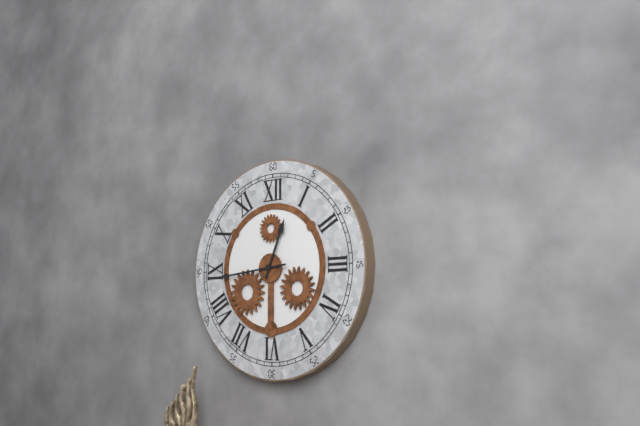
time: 12:44
